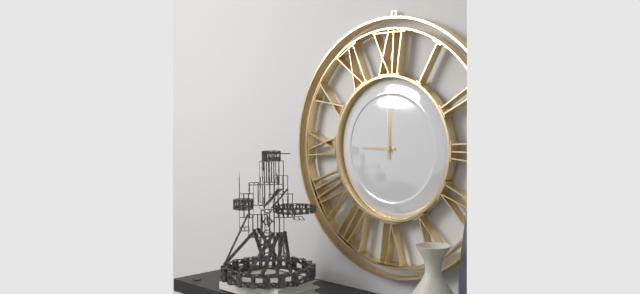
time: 9:00
